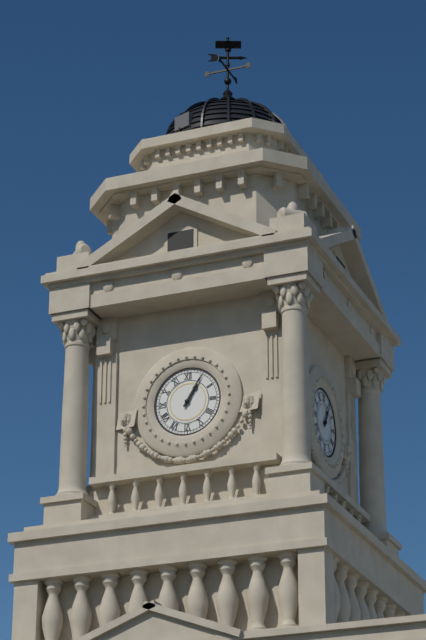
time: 1:05
